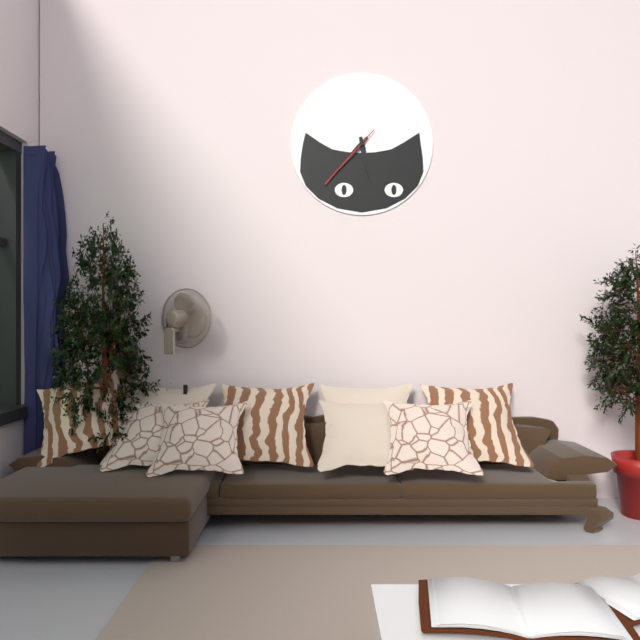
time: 5:37:37
